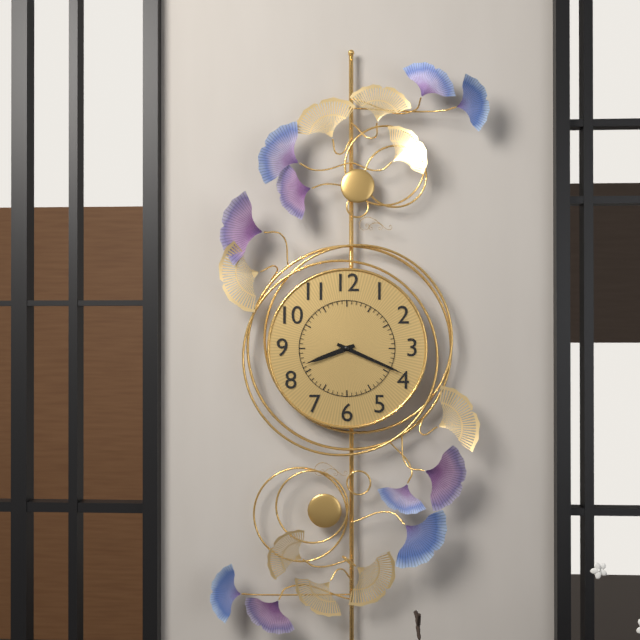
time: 8:19
